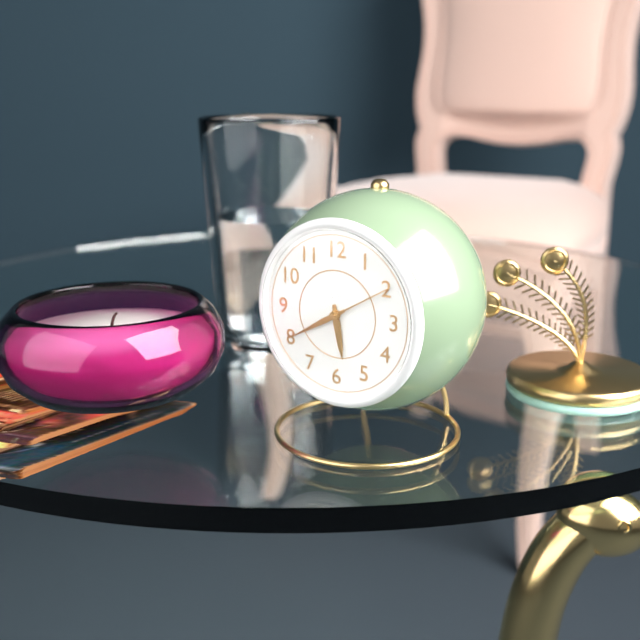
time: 5:40:10
